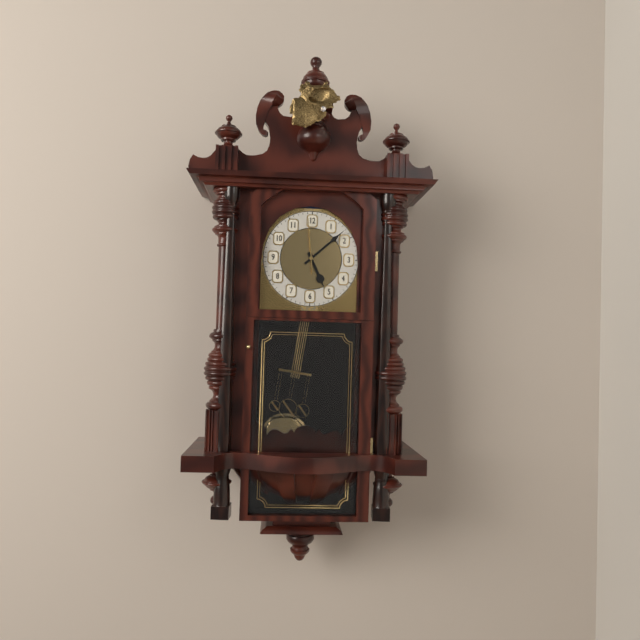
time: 5:08:59
